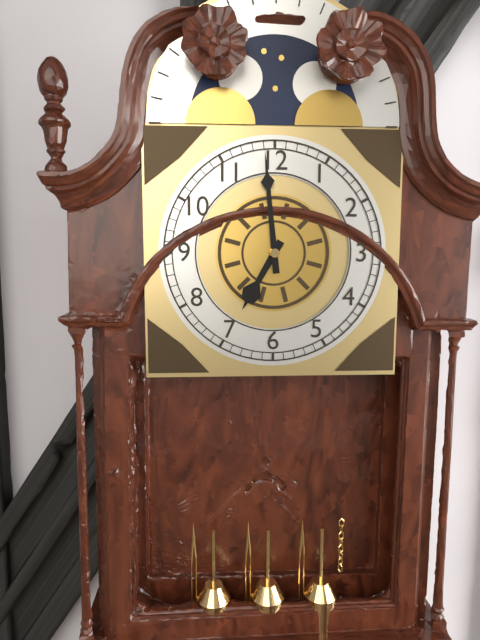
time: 6:59
